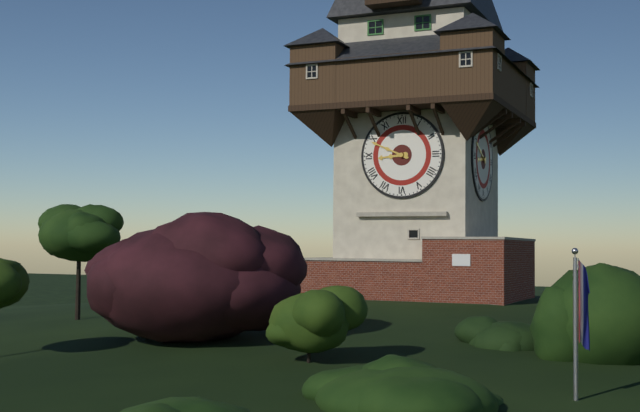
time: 8:49
